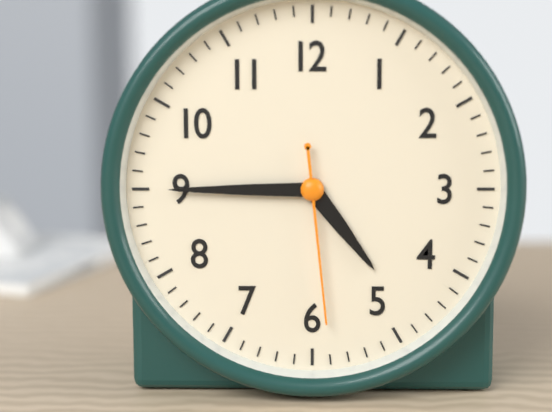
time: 4:45:29
